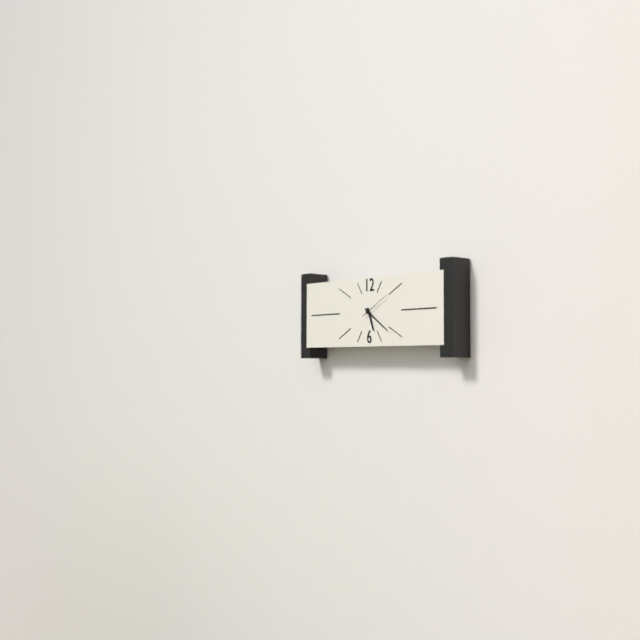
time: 5:21
